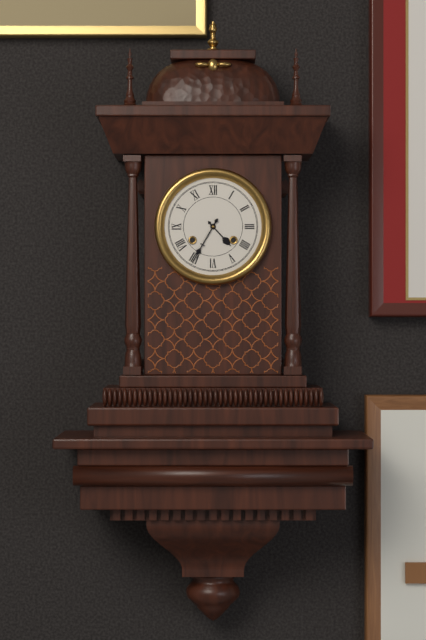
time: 4:35
